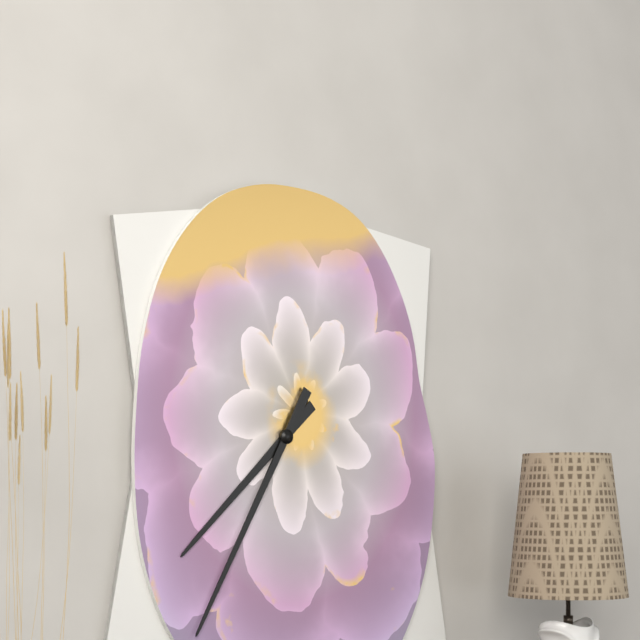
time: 7:35
